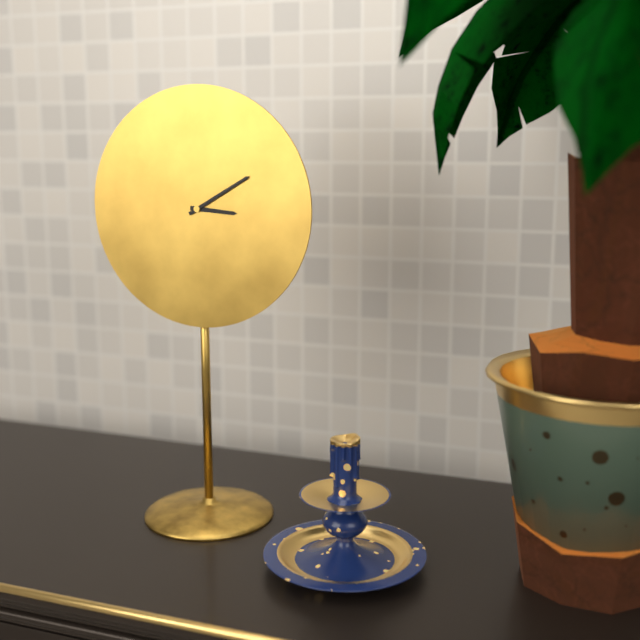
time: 3:10
